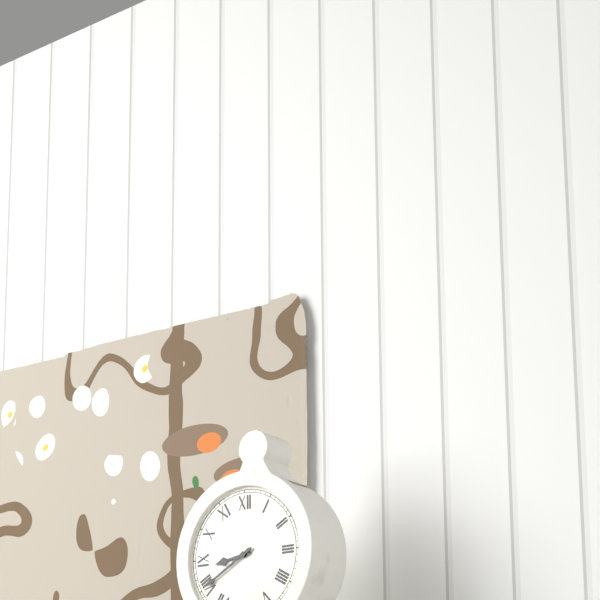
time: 8:40
